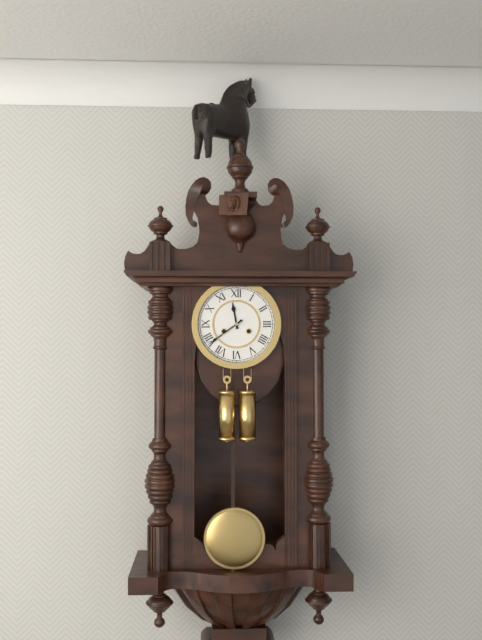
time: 11:39
